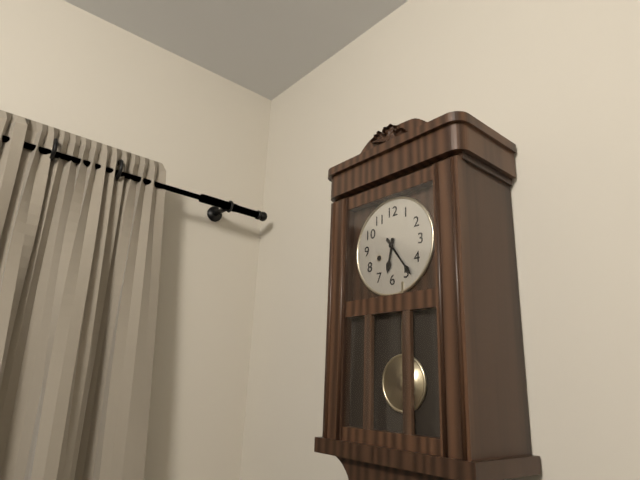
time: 6:24
